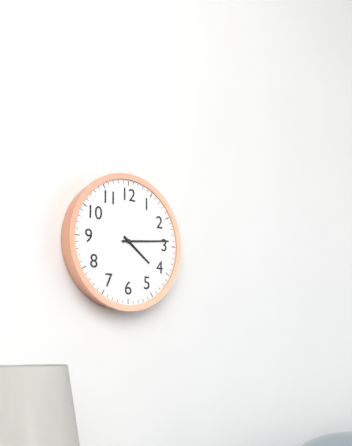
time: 4:14
